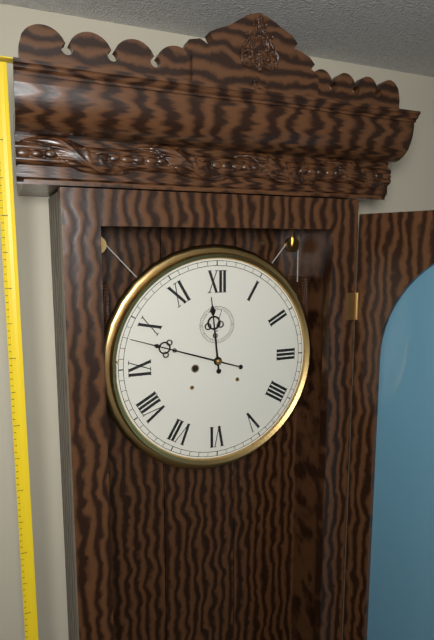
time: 11:48
